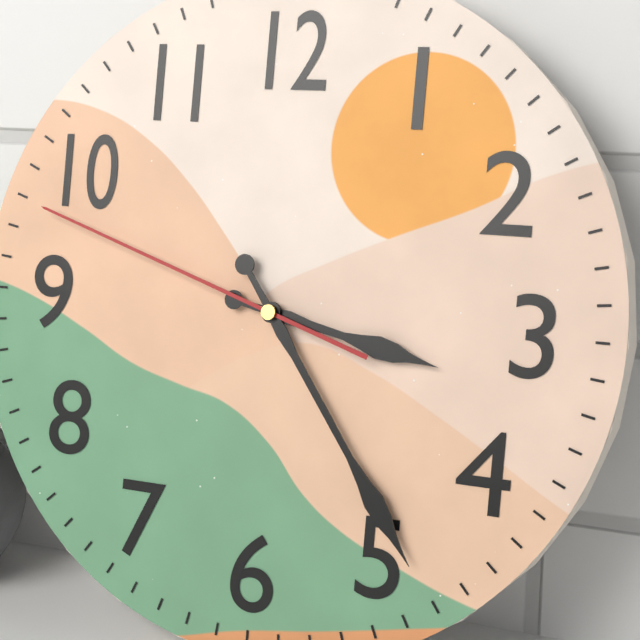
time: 3:24:48
